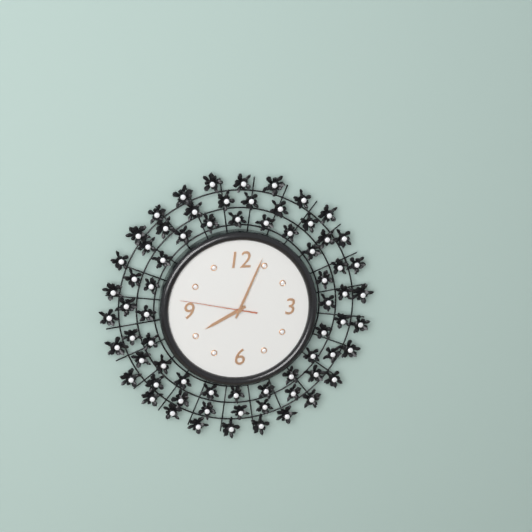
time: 8:04:47
